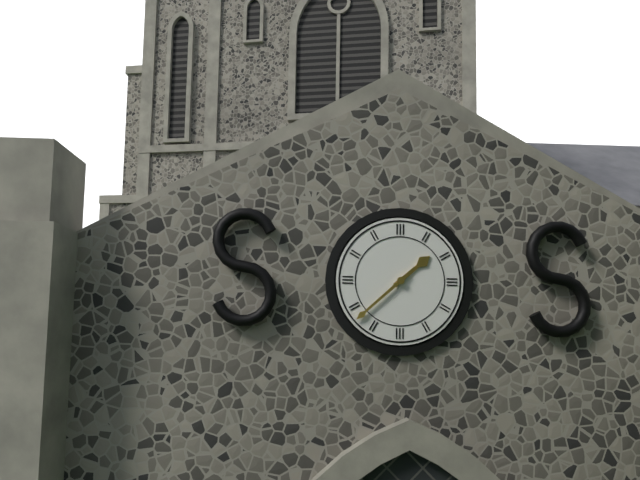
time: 1:38
